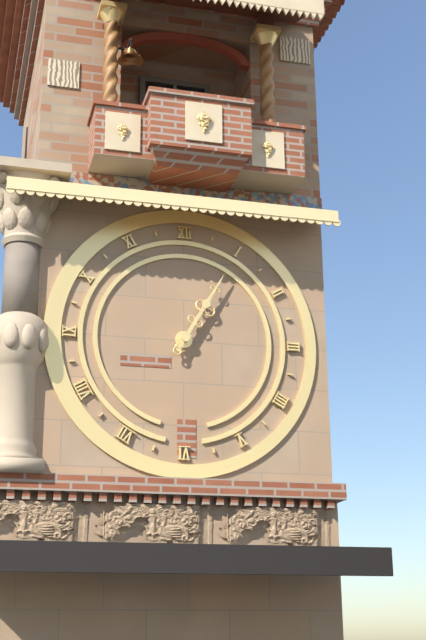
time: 1:05
